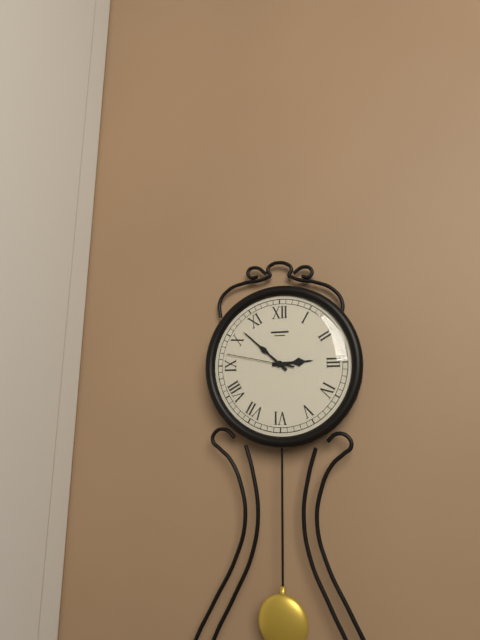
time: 2:52:47
